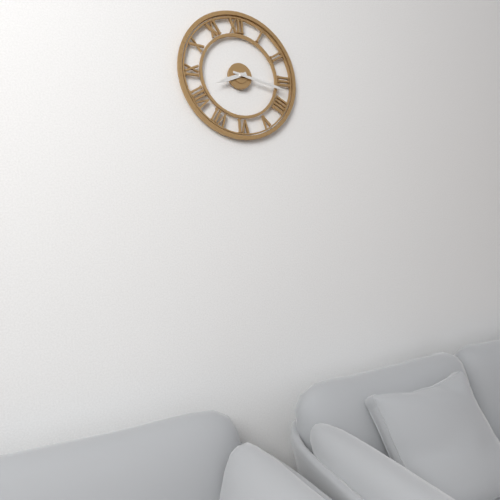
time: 8:17
